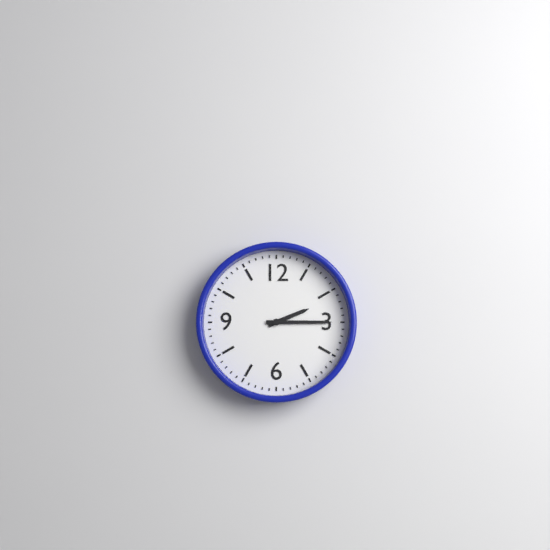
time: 2:15
